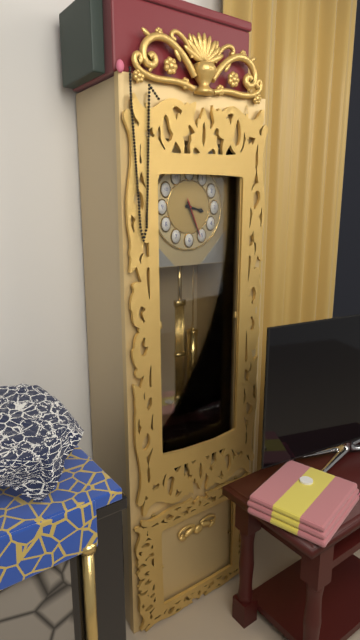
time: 3:26
